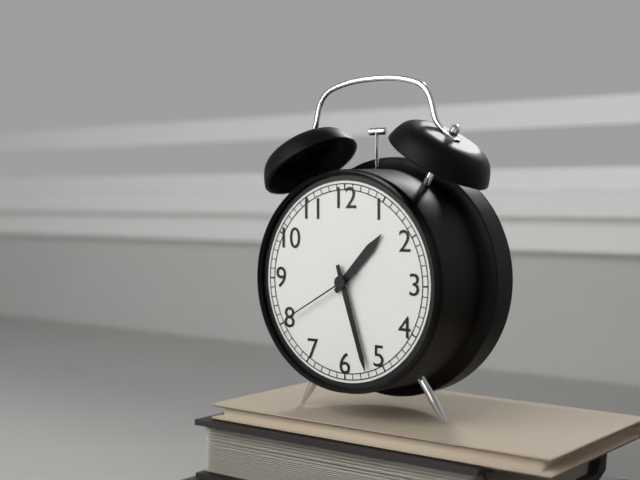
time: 1:27:40
